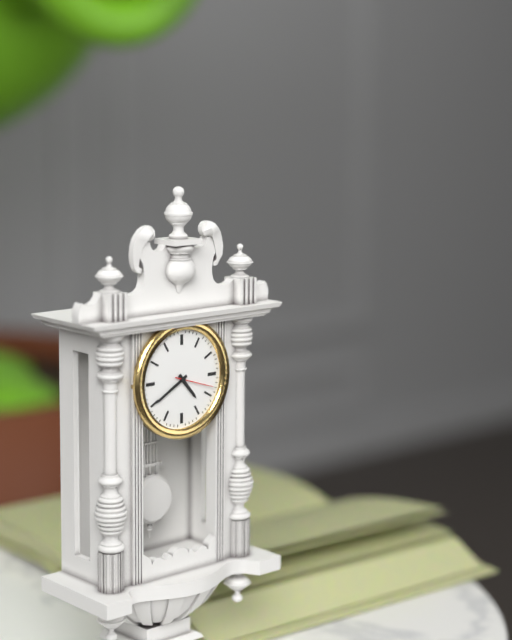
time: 4:40
